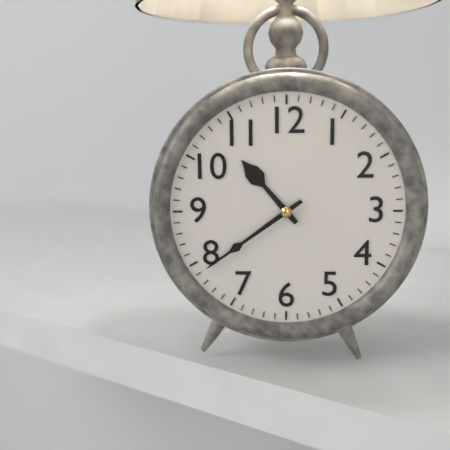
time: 10:39
